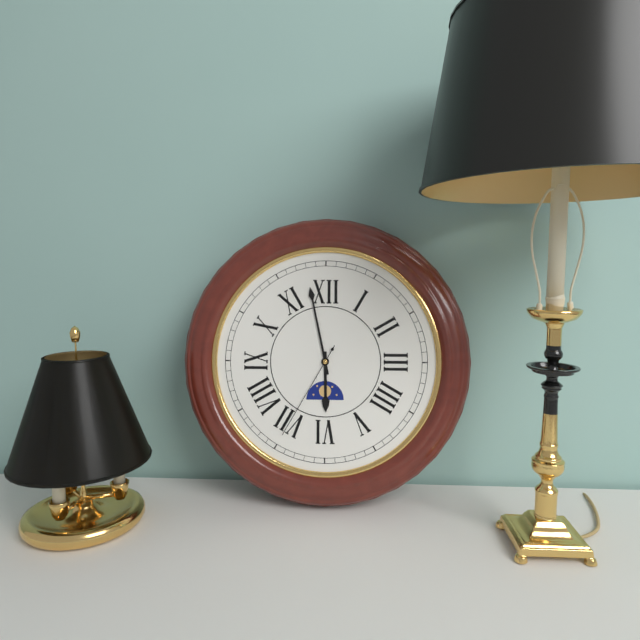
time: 5:58:35
